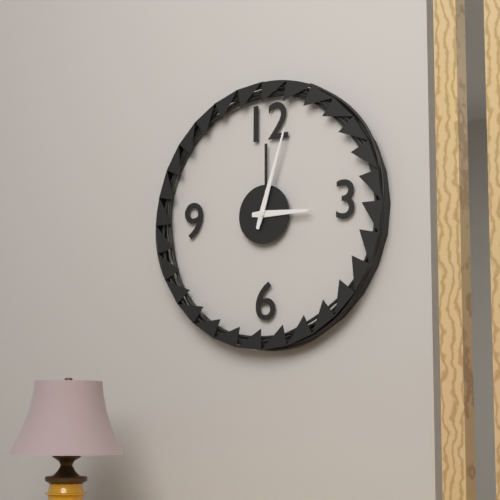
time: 3:03
